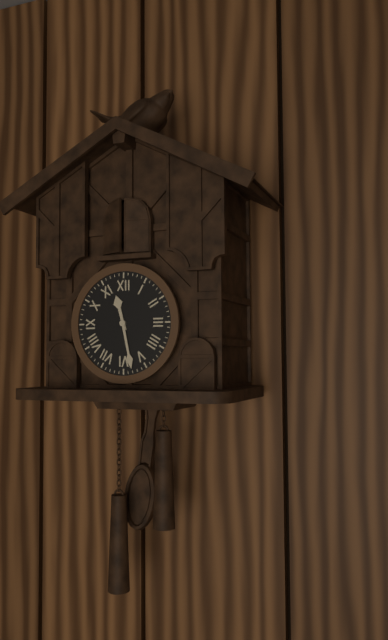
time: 11:28
